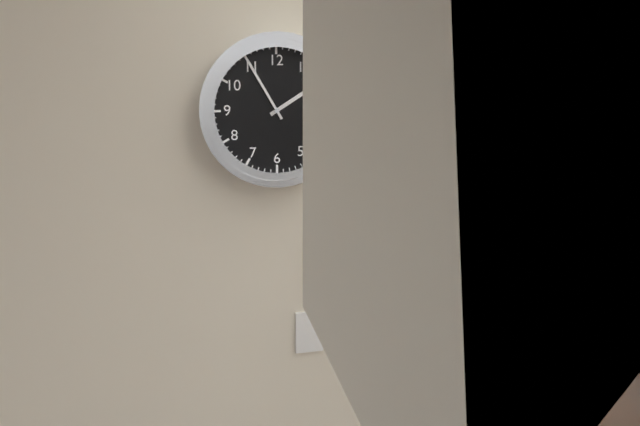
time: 1:55
